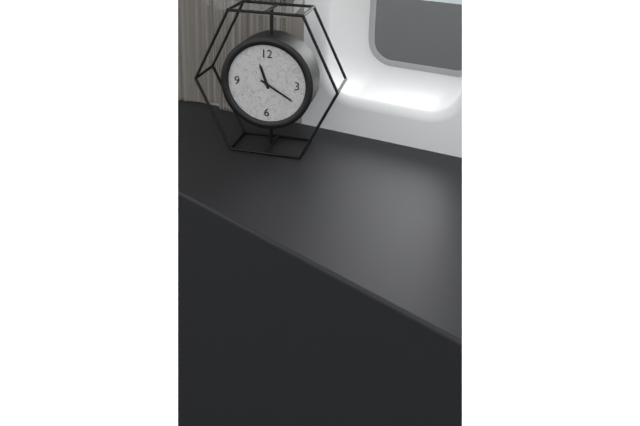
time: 11:20
